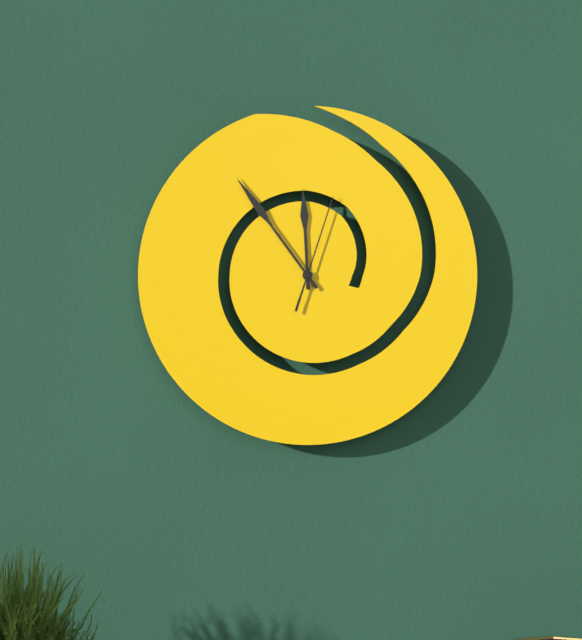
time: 11:54:03
